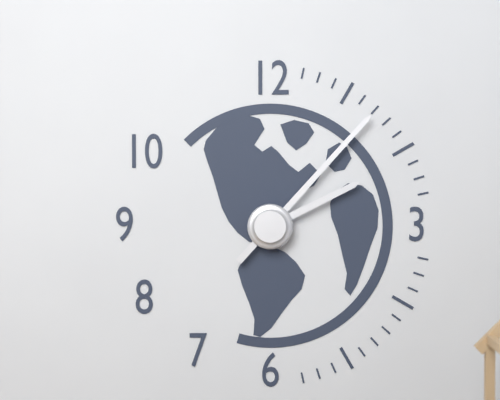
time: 2:07
